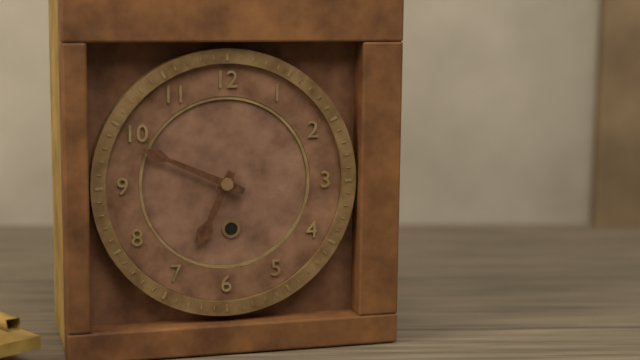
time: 6:49
